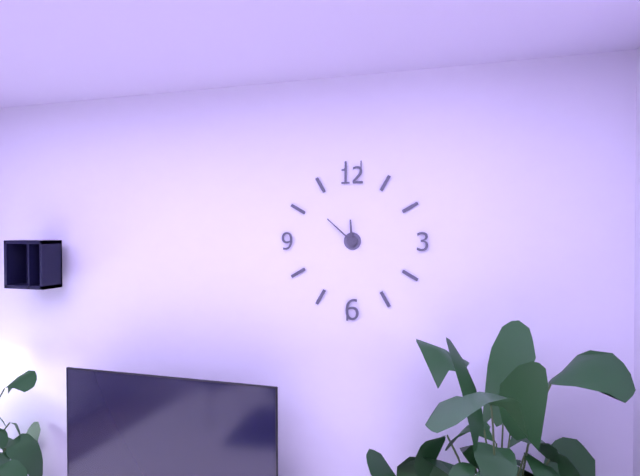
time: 11:52
